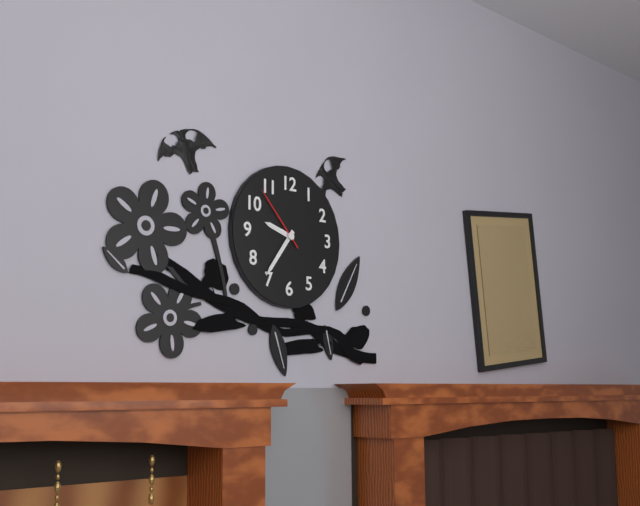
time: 9:36:53
